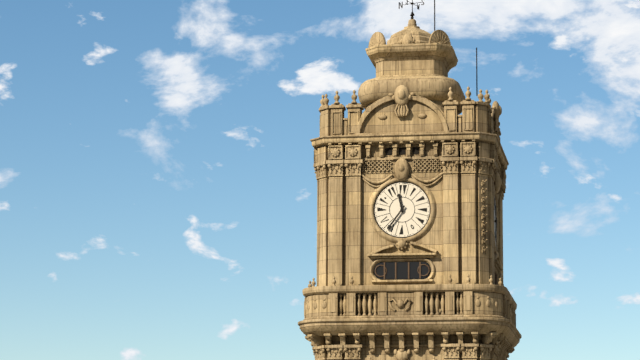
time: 11:36
